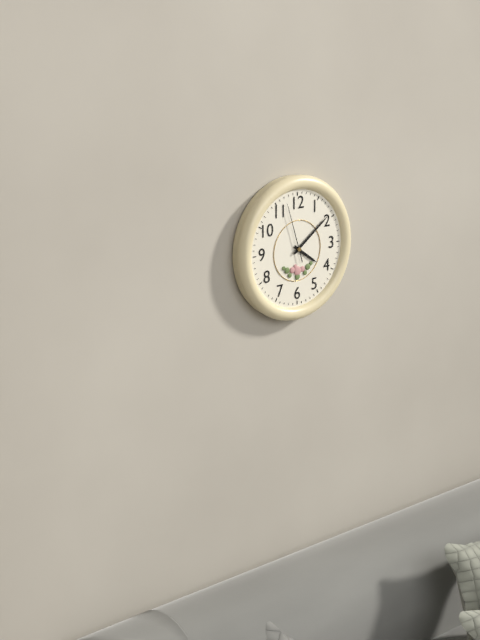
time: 4:09:57
